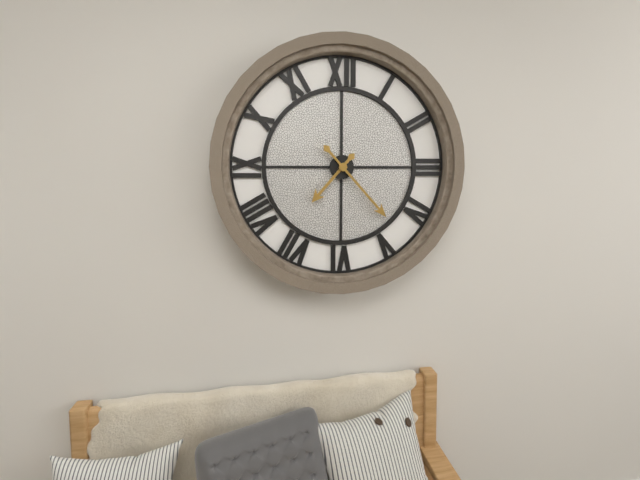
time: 7:23
